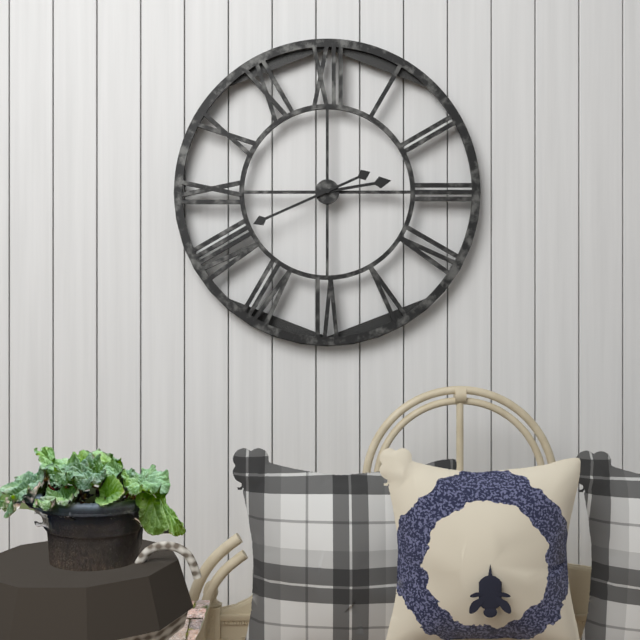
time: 2:41
